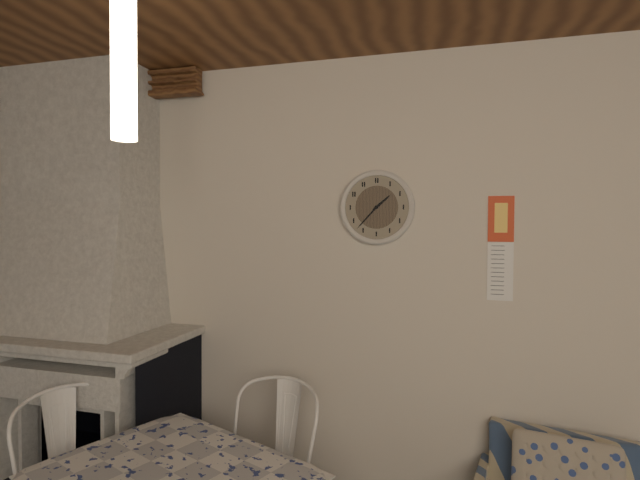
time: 1:37
